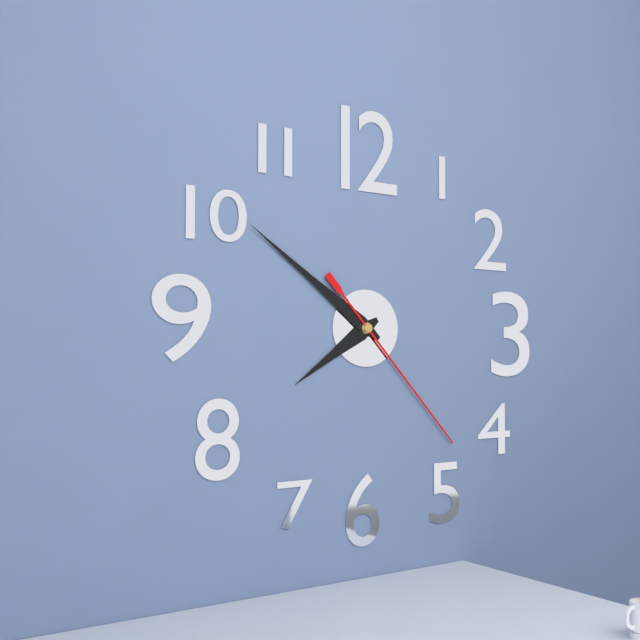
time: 7:51:23
